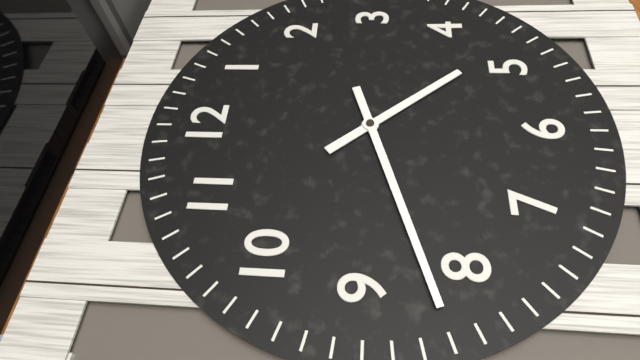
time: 4:42
